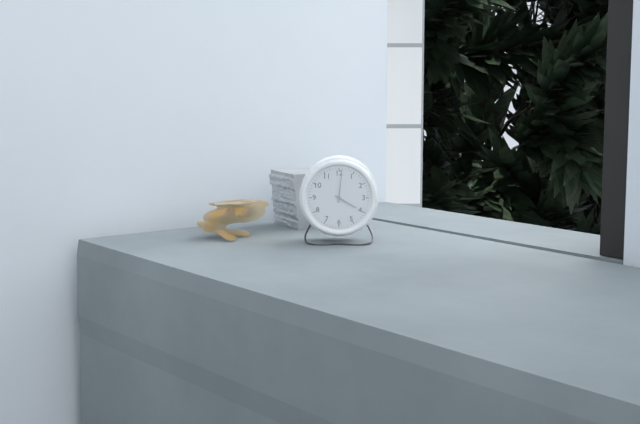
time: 4:01
